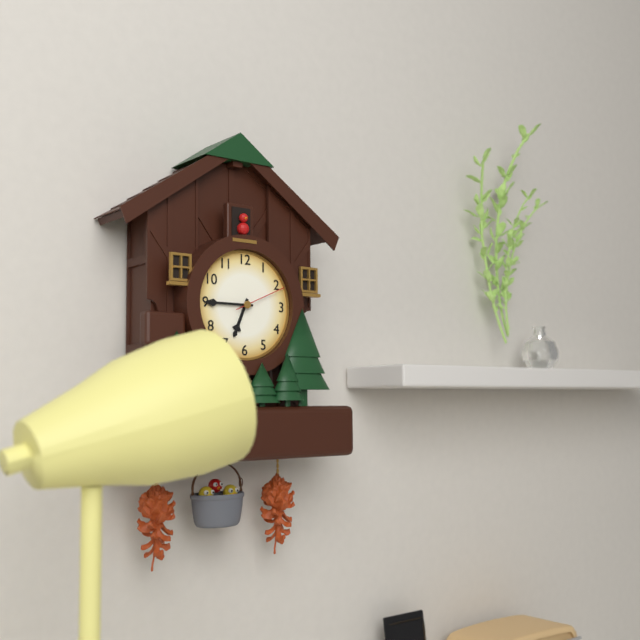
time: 6:45:11
